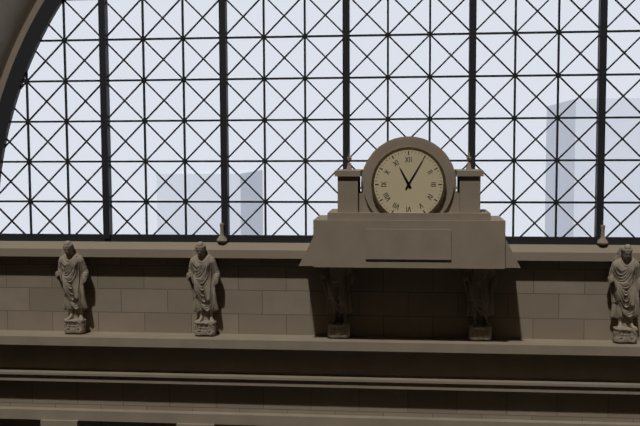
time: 11:05
